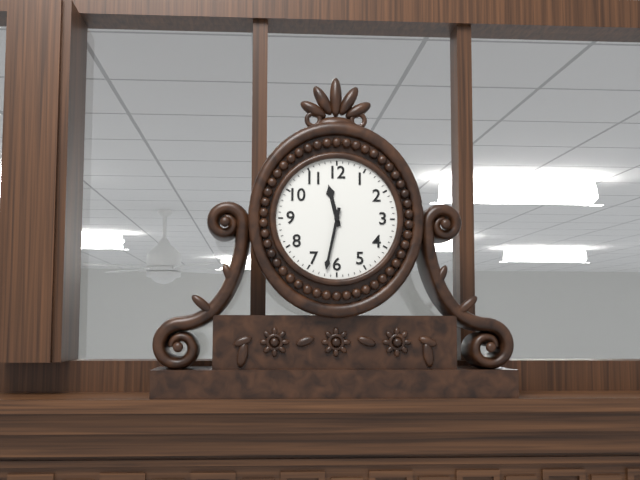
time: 11:32
